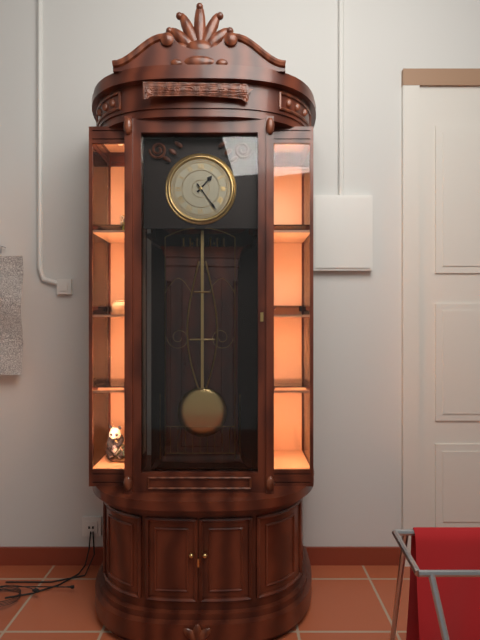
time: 1:24
